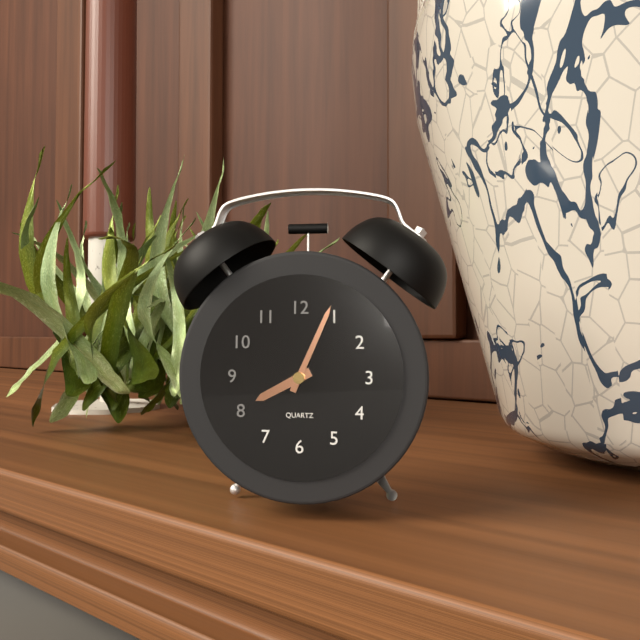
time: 8:04
